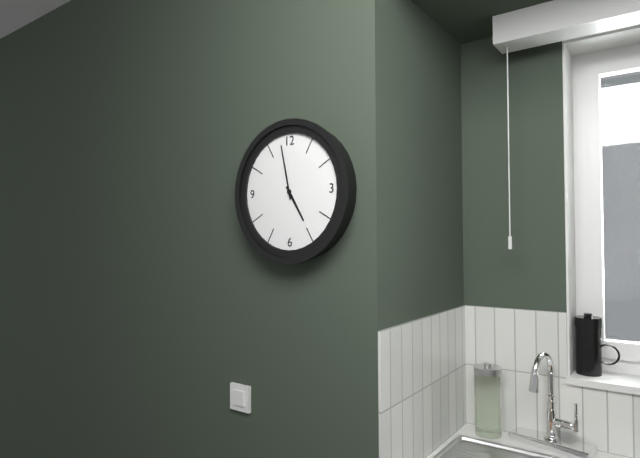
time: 4:58
